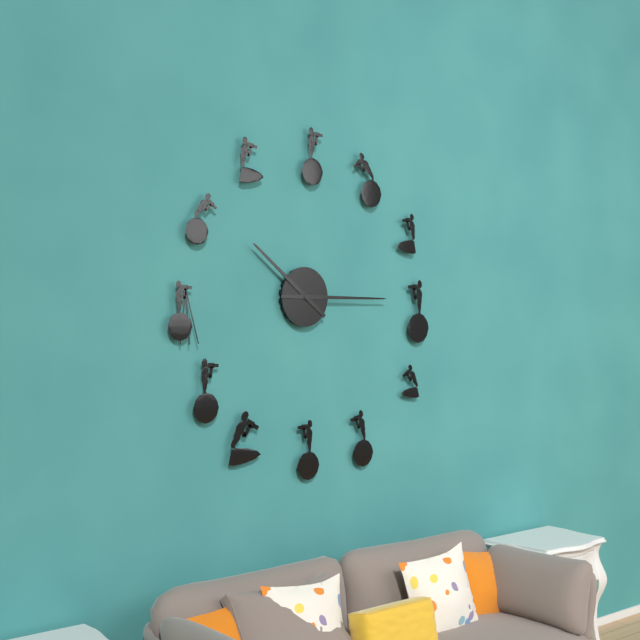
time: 10:15
